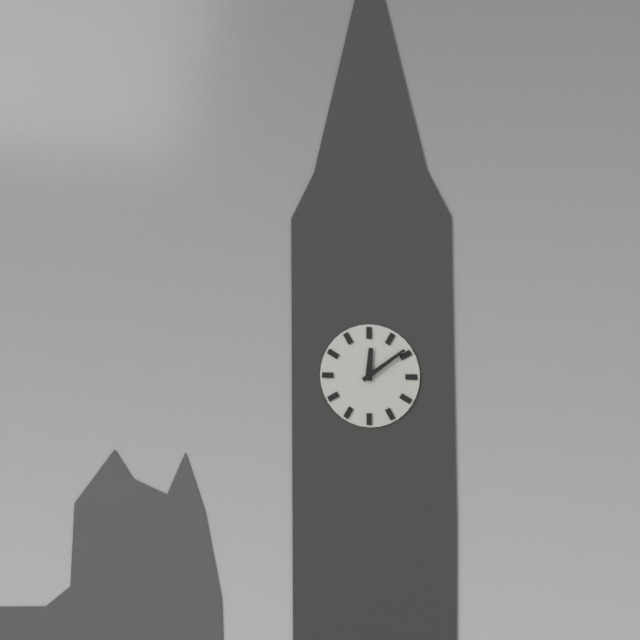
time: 12:09
